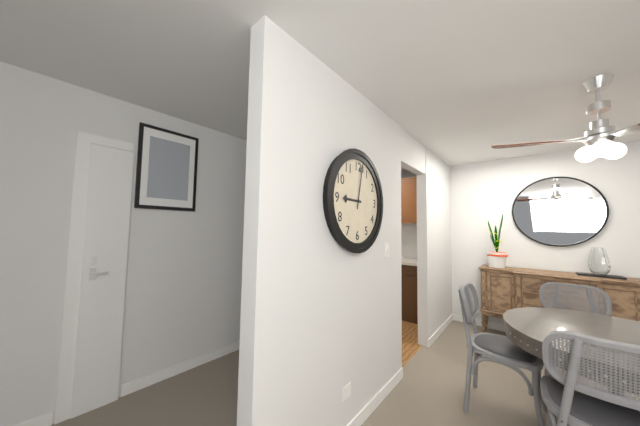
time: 9:02
